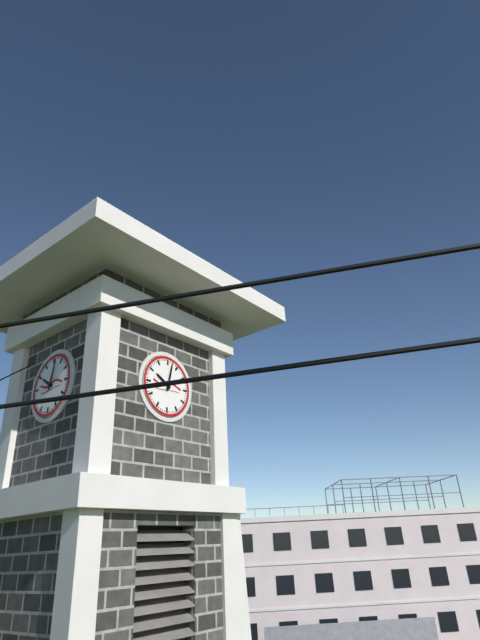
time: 10:02
